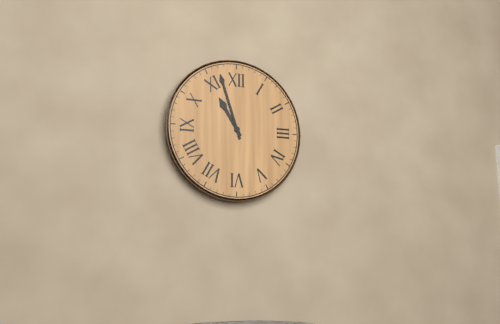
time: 10:57
